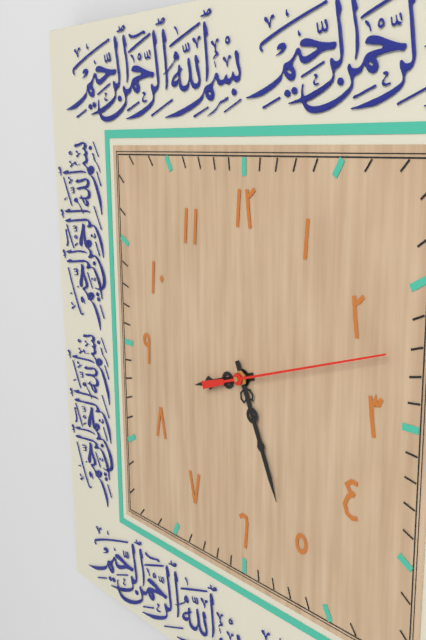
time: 8:26:12
